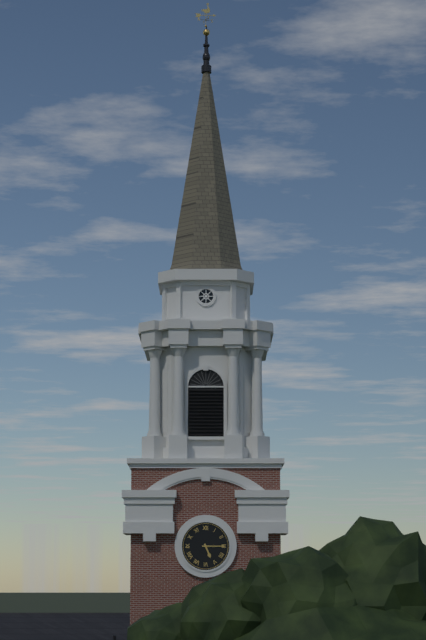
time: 5:15
